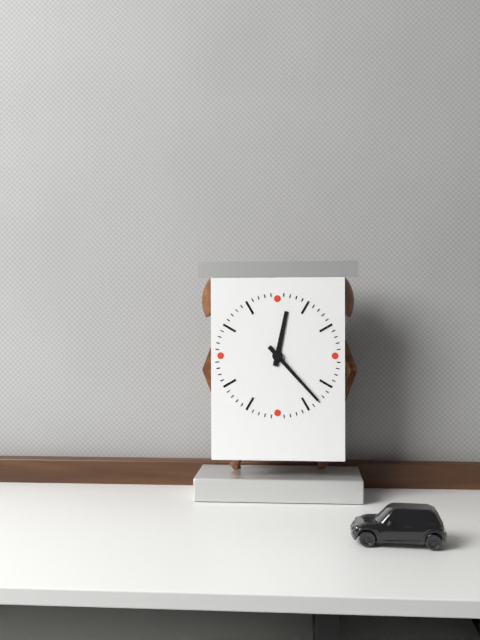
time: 12:23
